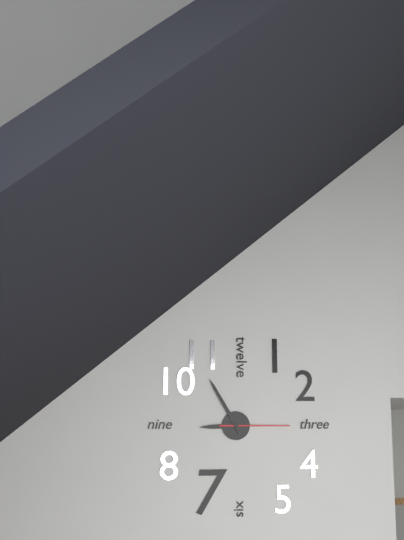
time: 8:55:15
